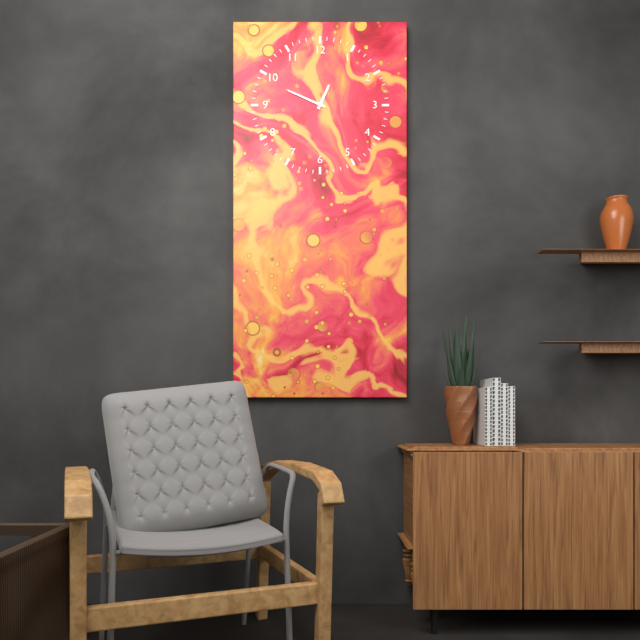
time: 12:49
